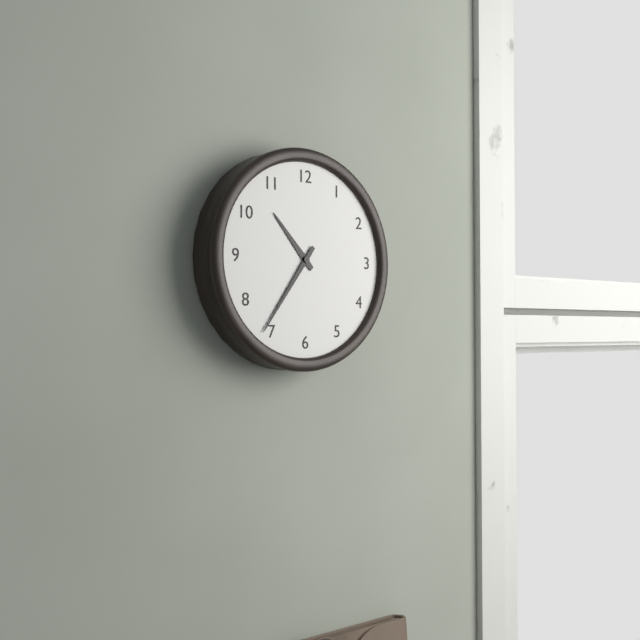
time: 10:36
